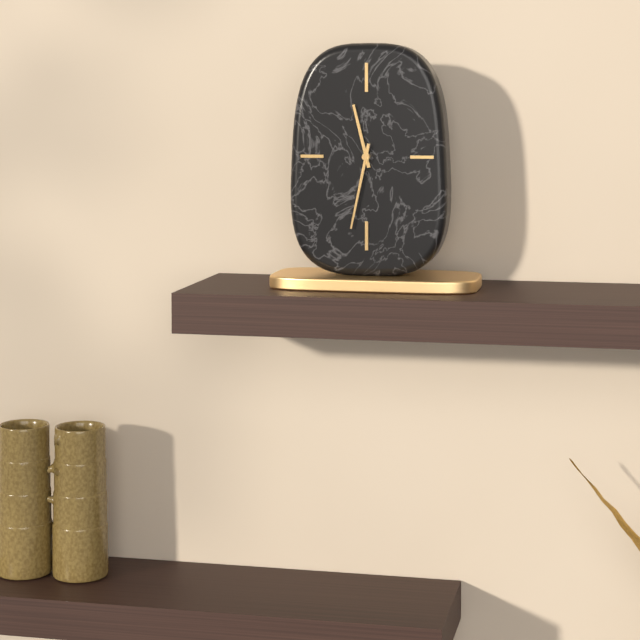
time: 11:32
